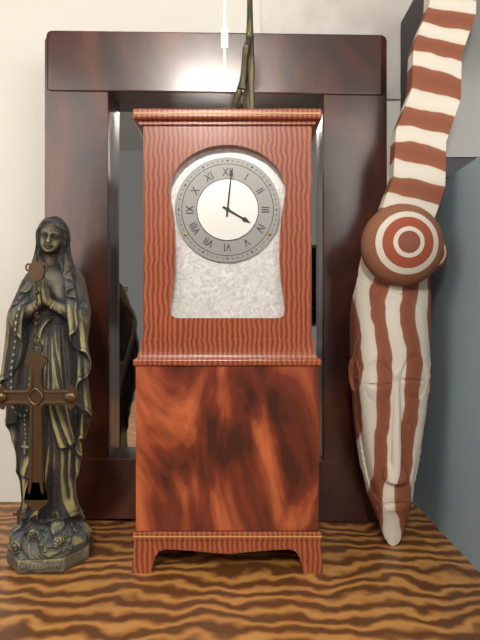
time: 4:01
